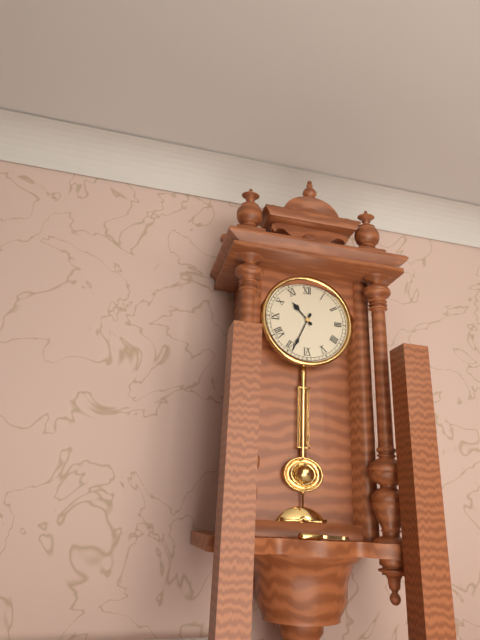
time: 10:34
